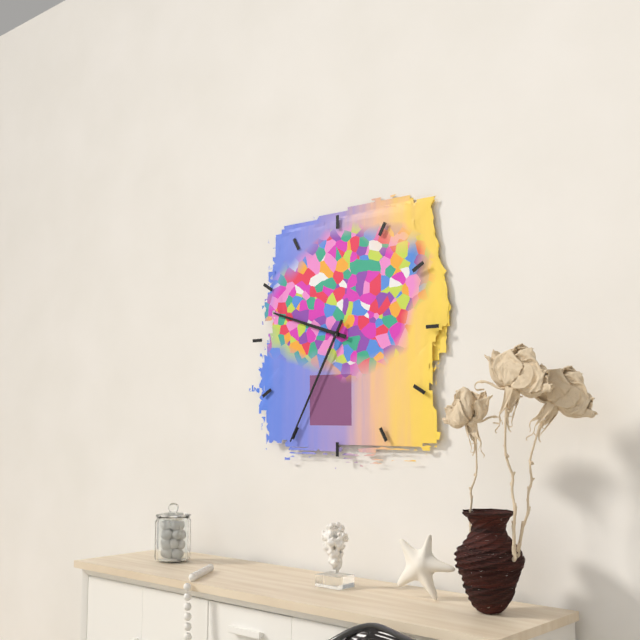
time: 9:35
